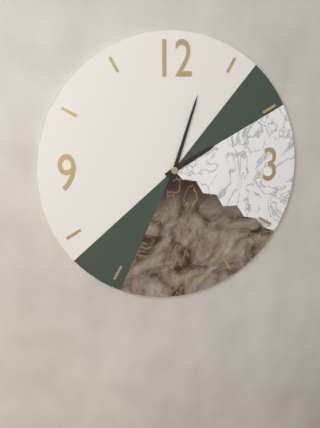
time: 2:03
